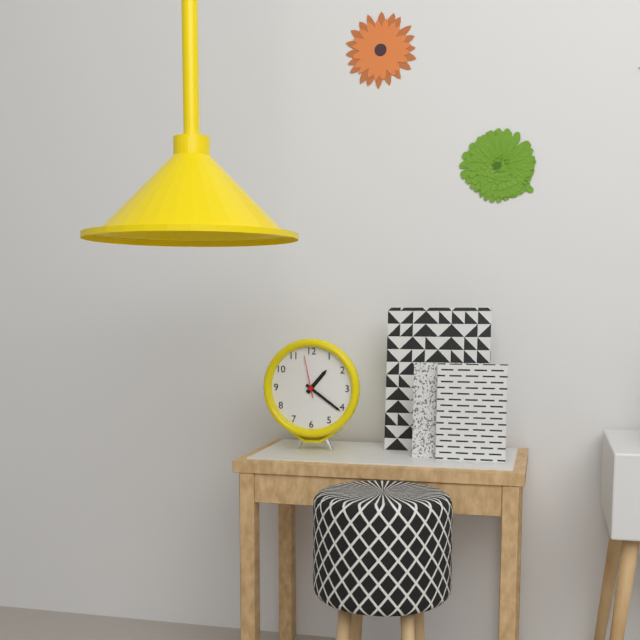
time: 1:21
